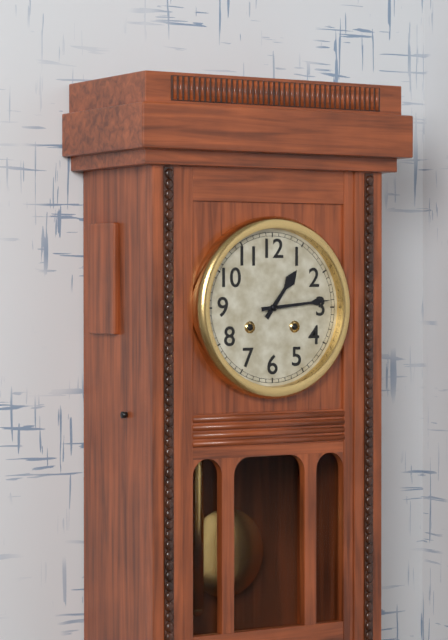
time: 1:14
